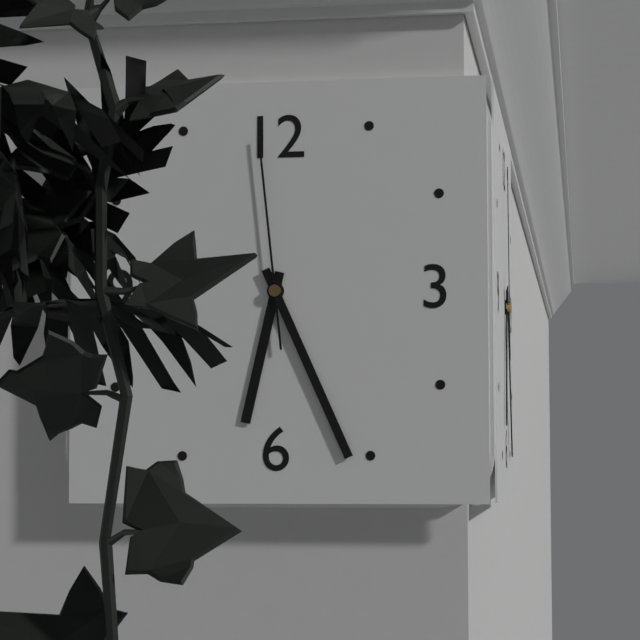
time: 6:26:59
